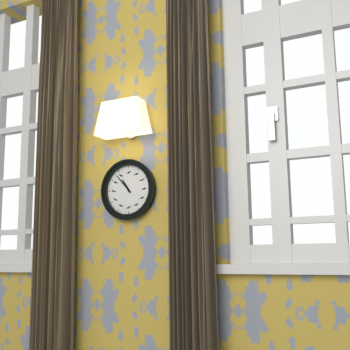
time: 10:53
